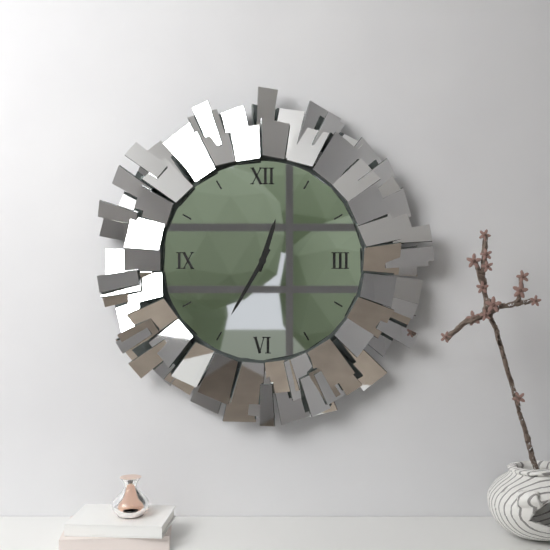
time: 12:35
